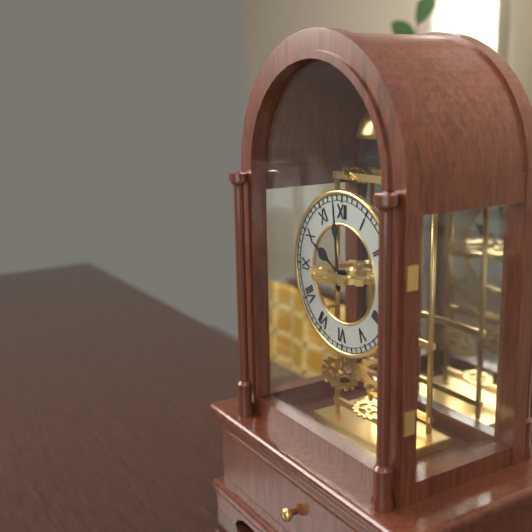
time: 9:59
